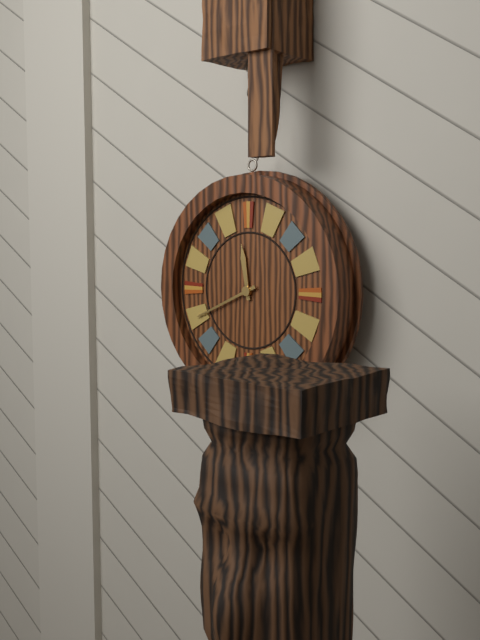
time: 11:41
